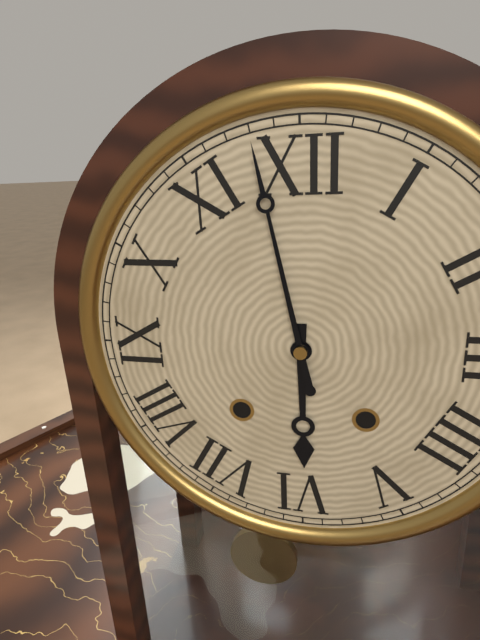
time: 5:58
